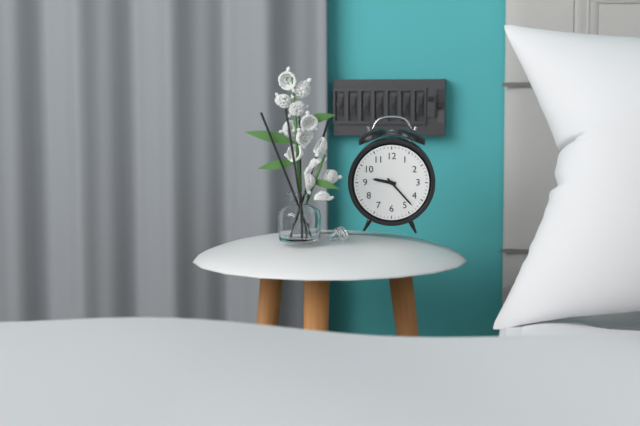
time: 9:23
